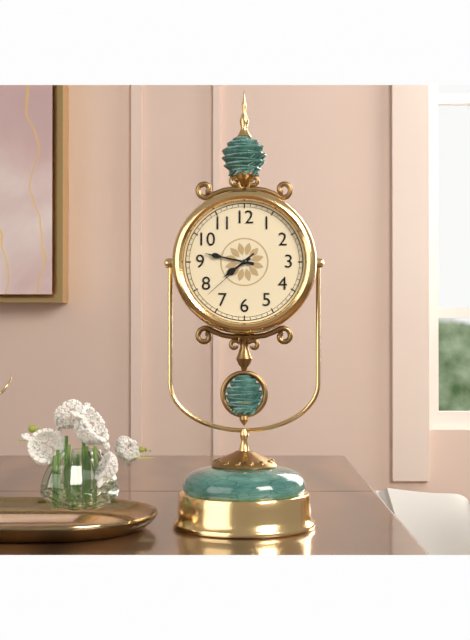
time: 7:47:38
